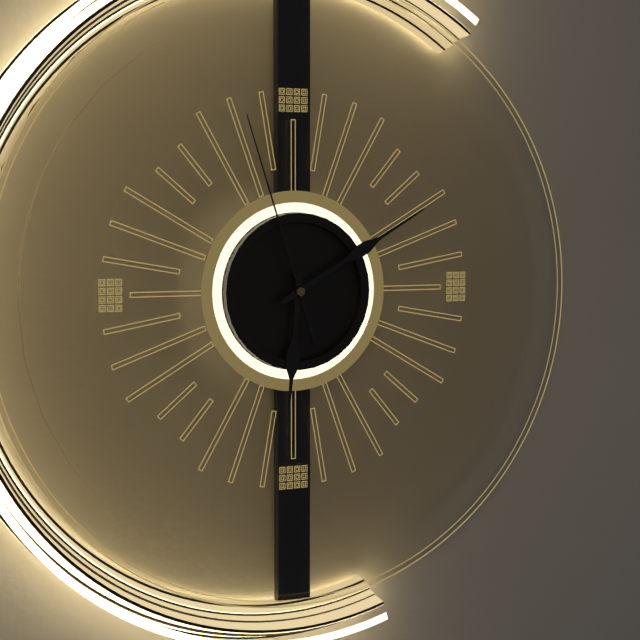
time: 6:10:57
